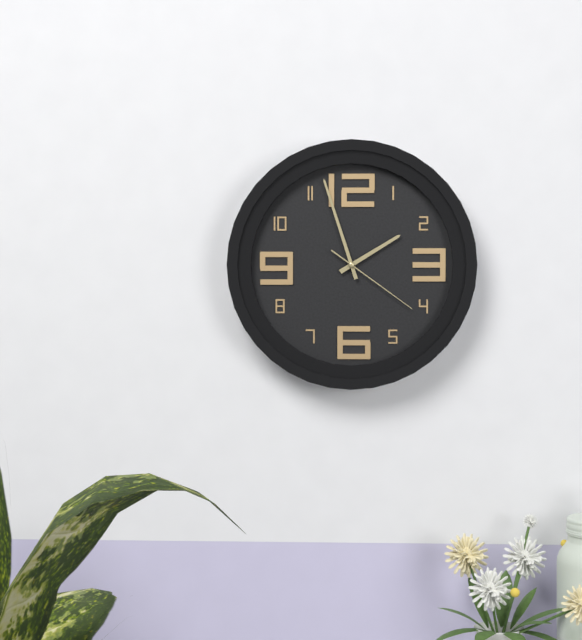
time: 1:57:21
